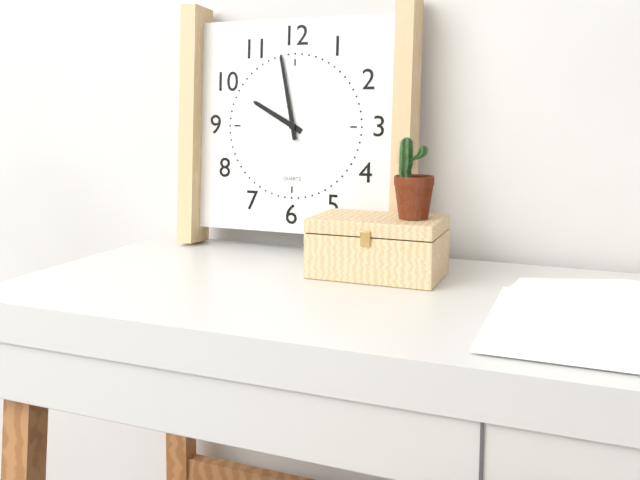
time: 9:58
